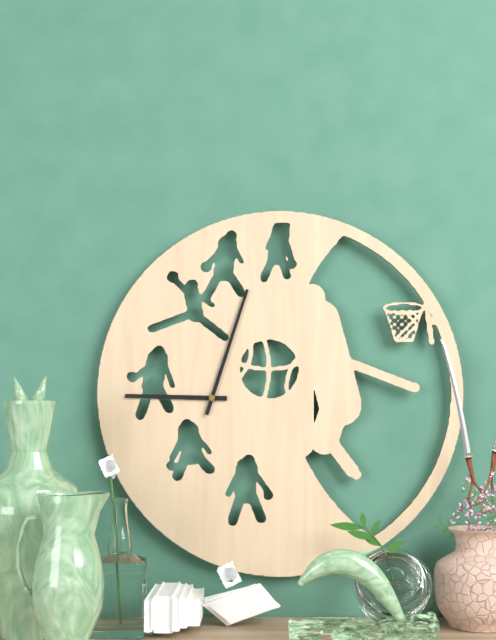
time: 9:03
